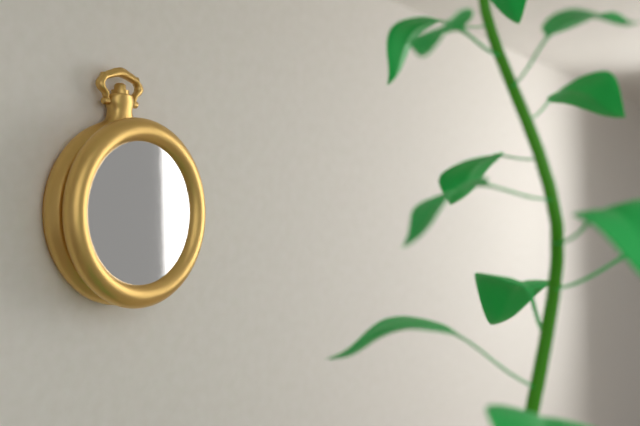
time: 12:50
